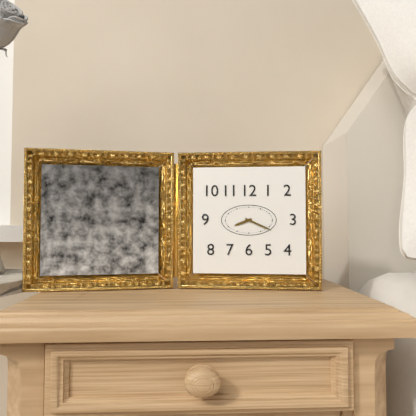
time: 8:19
